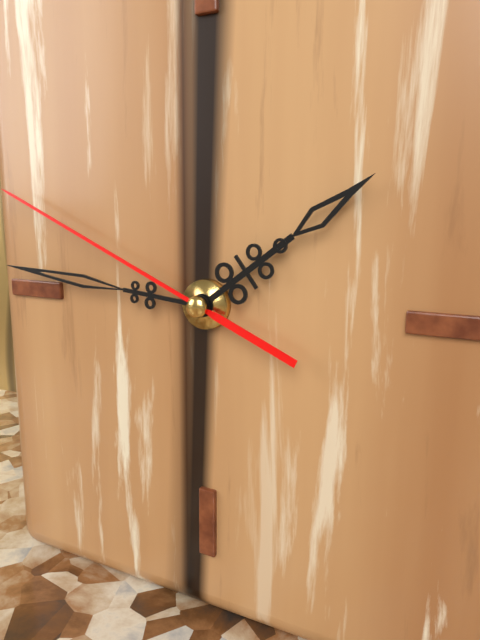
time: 1:46:49
